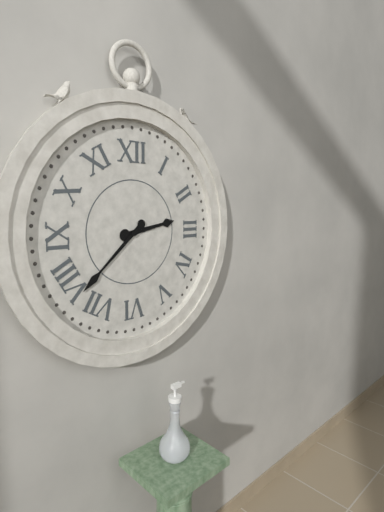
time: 2:38
